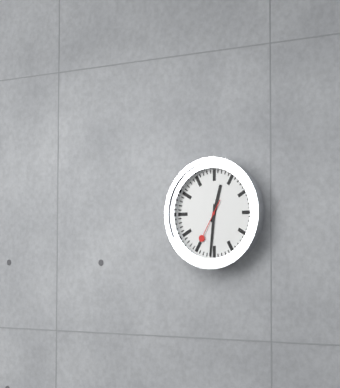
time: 12:31
